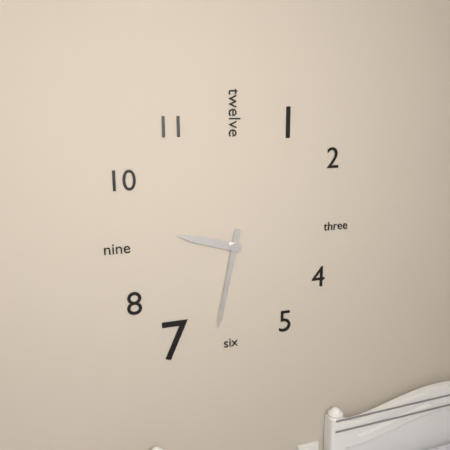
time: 9:32
